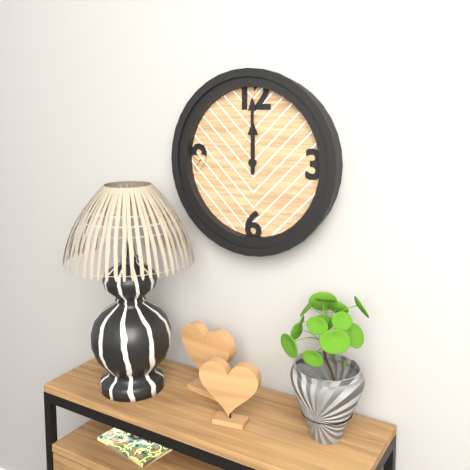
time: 12:00
